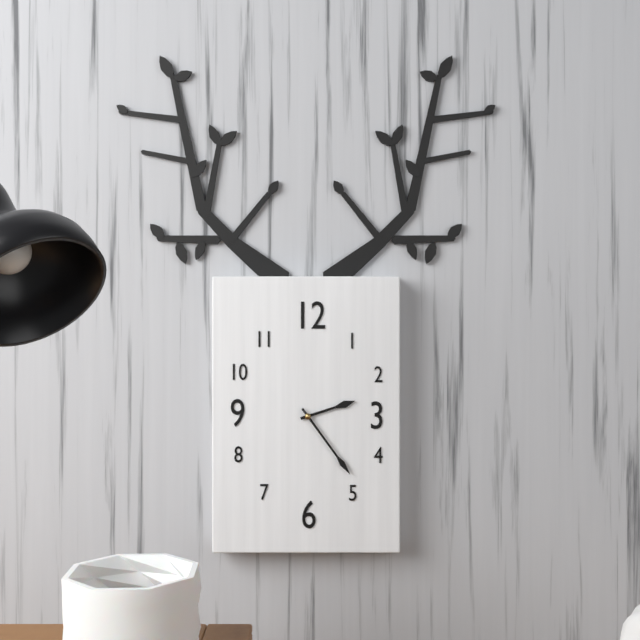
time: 2:24
